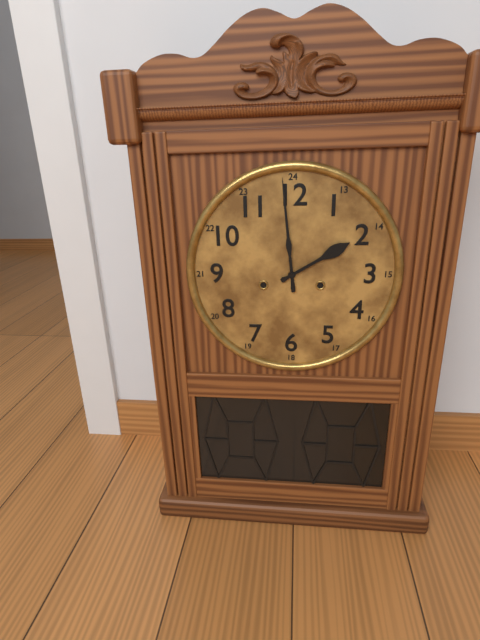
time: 1:59
